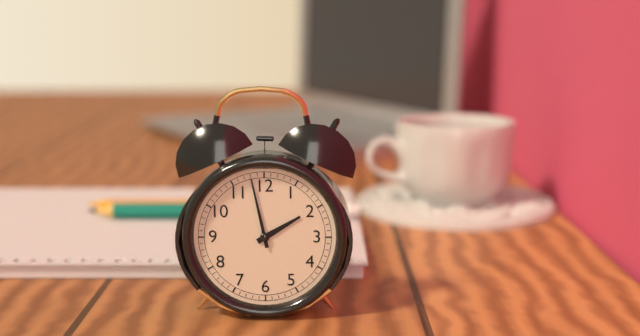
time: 1:58
